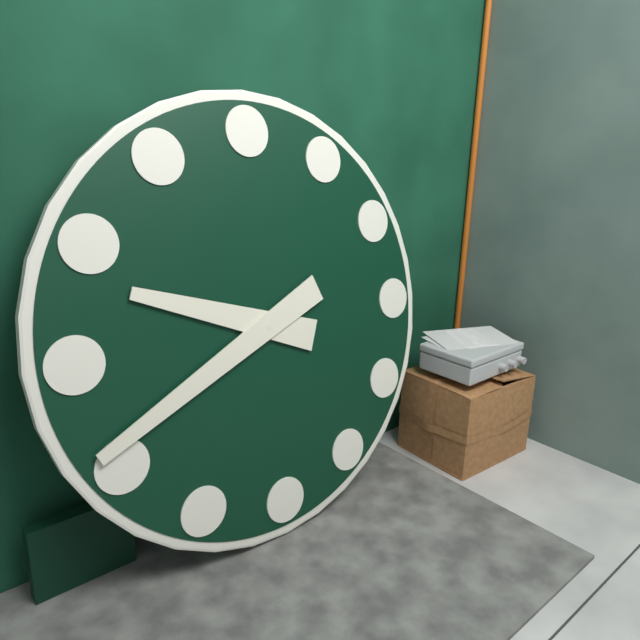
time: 9:41
